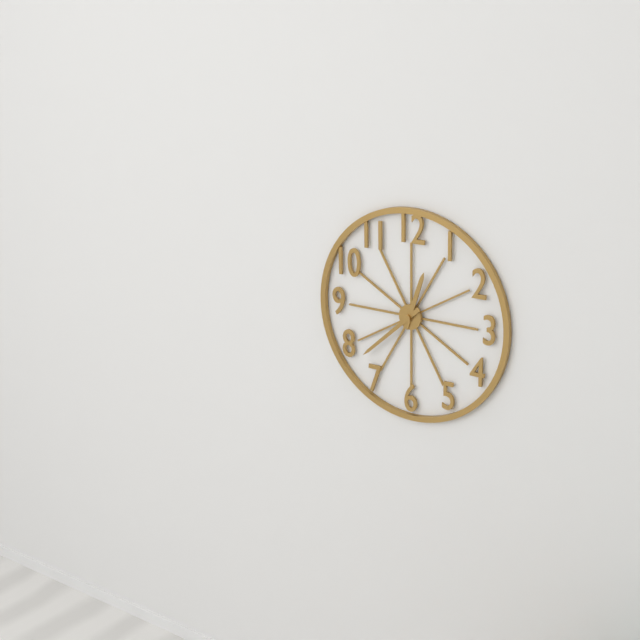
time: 12:38
